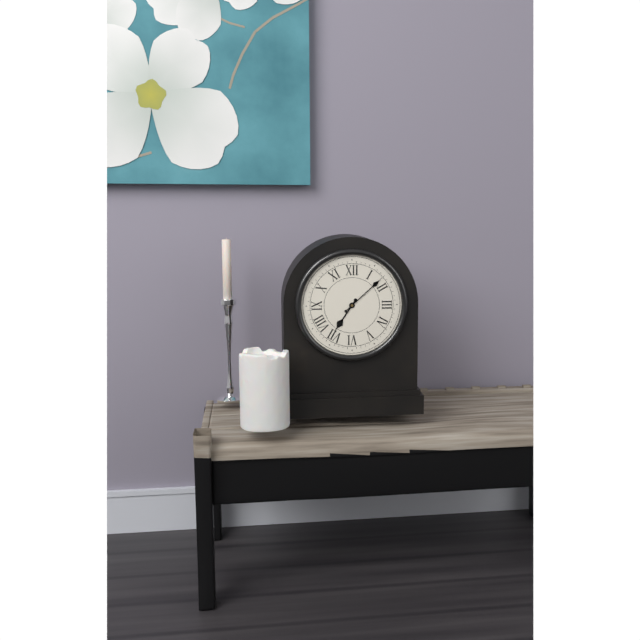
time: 7:08
